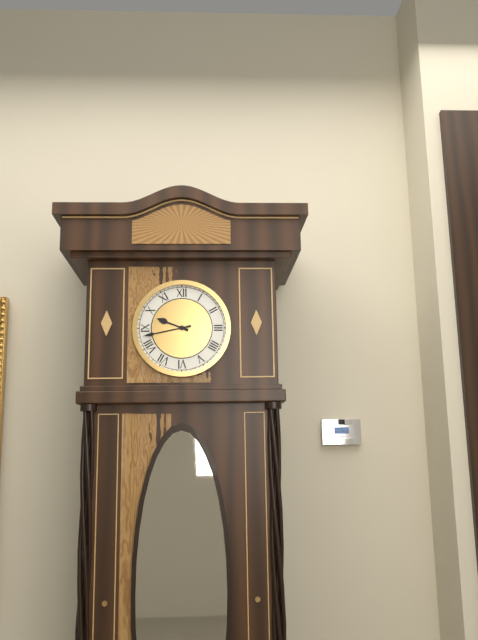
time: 9:43
